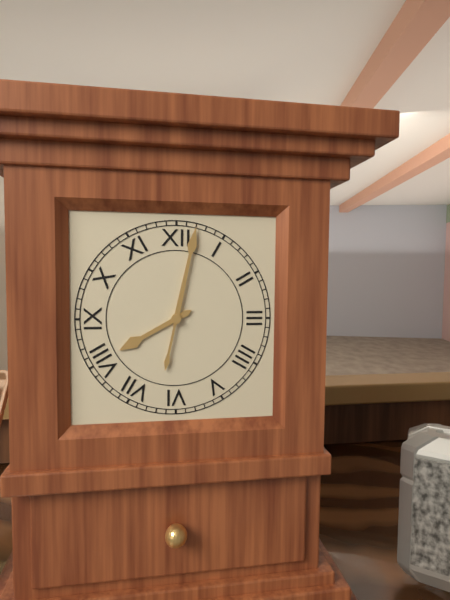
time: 8:02
